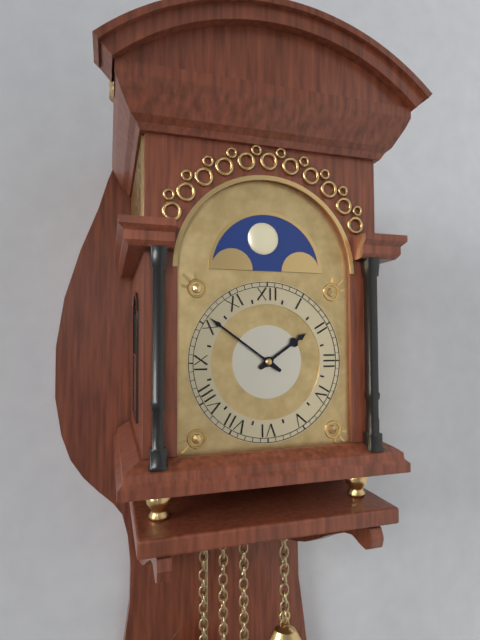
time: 1:51
